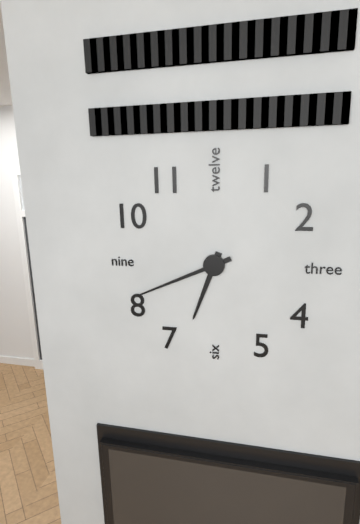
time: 6:41
